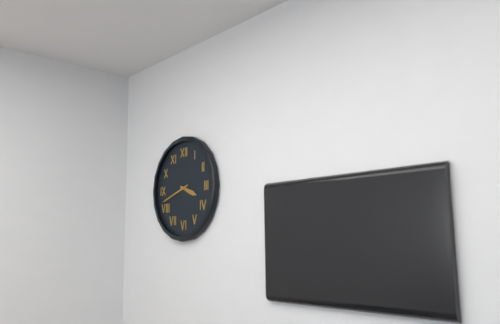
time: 3:42
